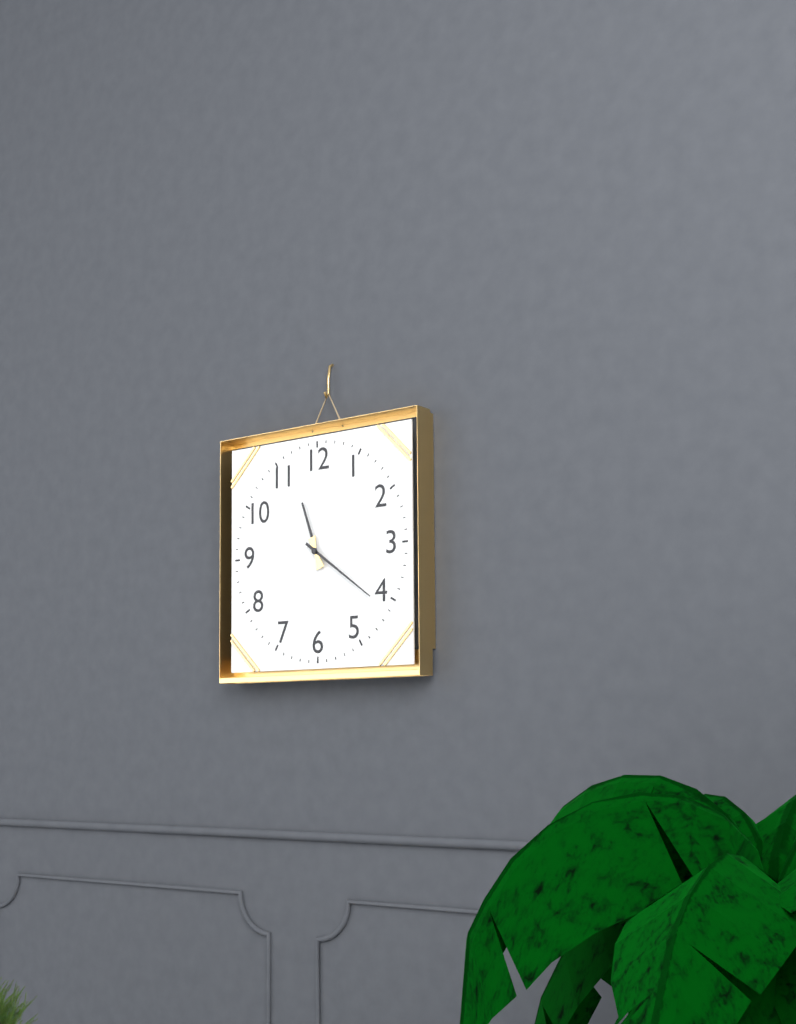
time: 11:21
